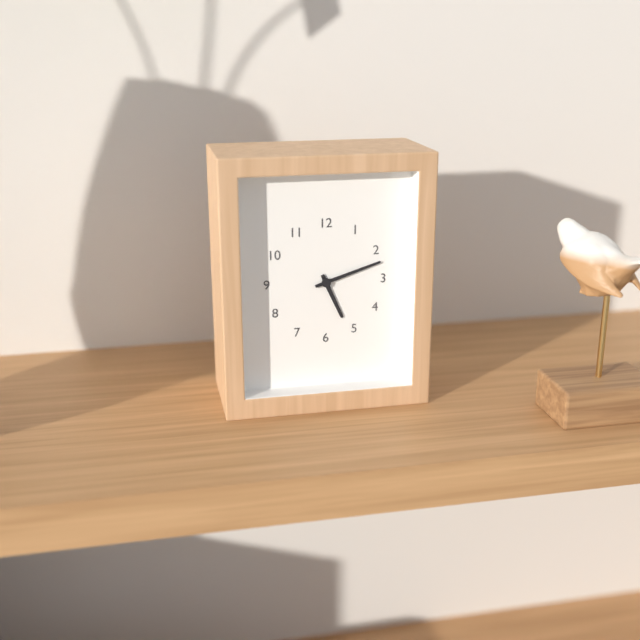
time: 5:12
